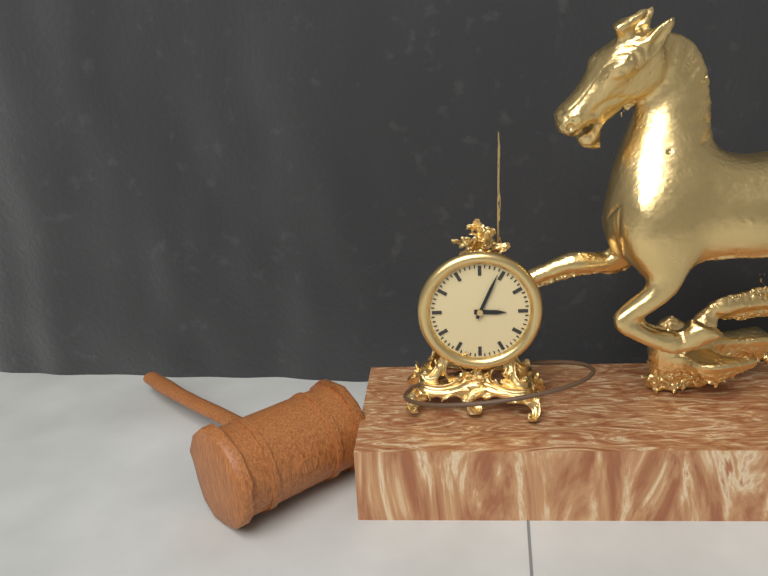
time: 3:04
